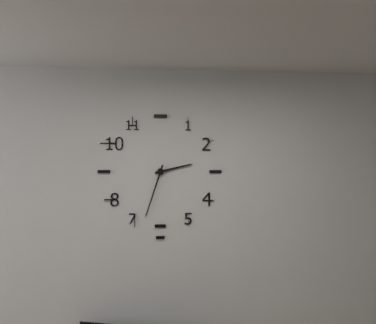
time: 2:33
